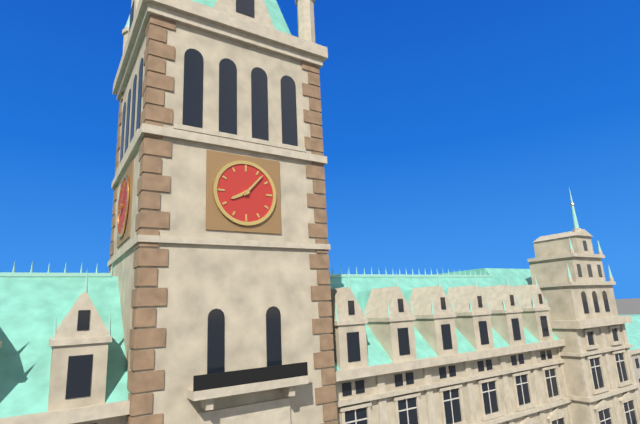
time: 8:07
